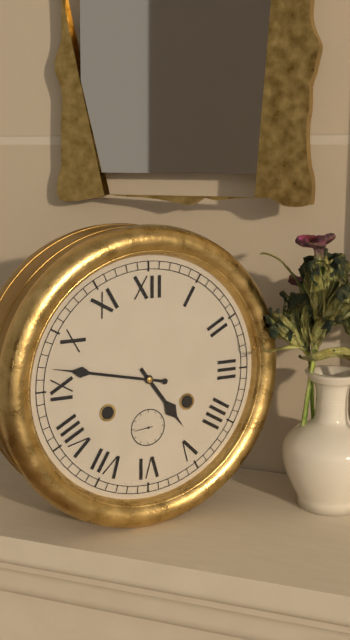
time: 4:47
